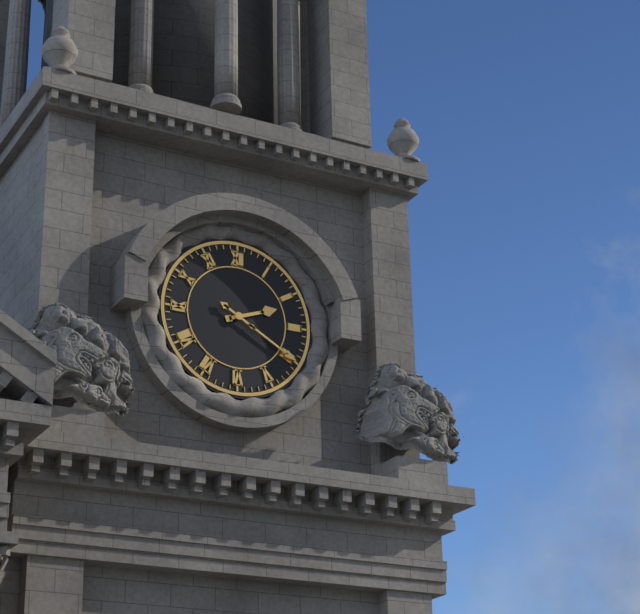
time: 2:20
